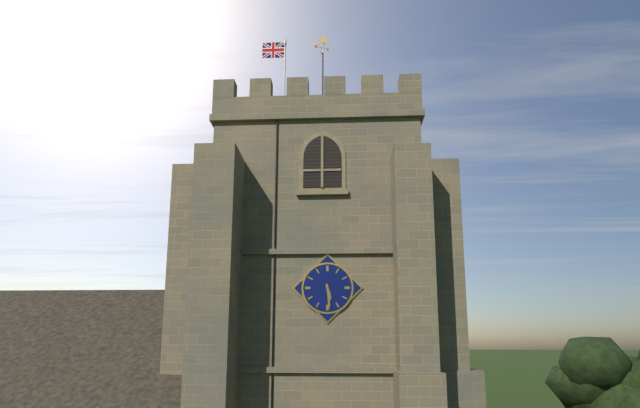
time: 5:29
